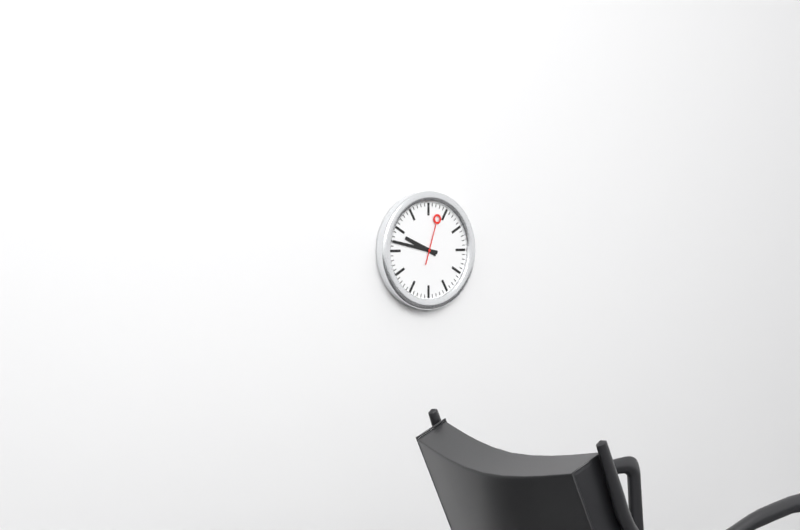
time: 9:47
